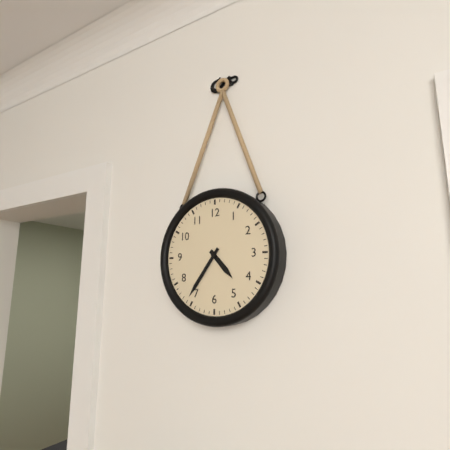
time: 4:36
